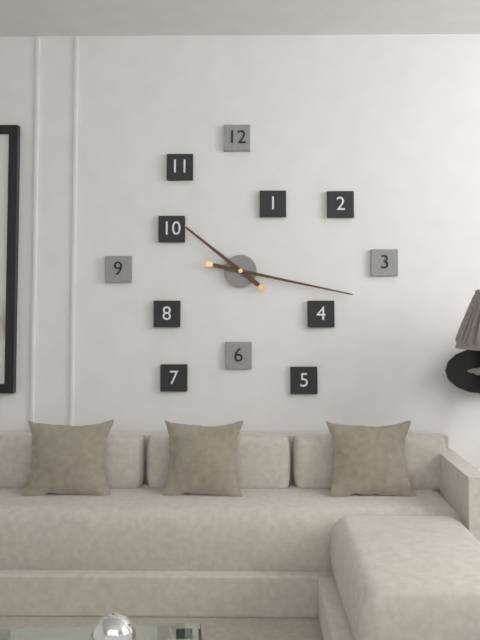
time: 10:17
